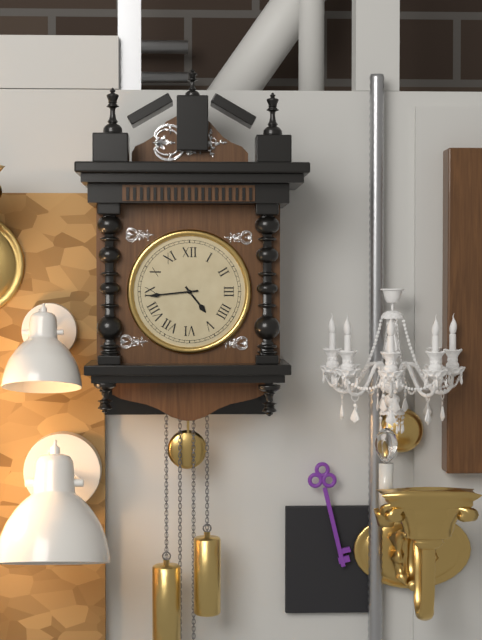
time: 4:44
